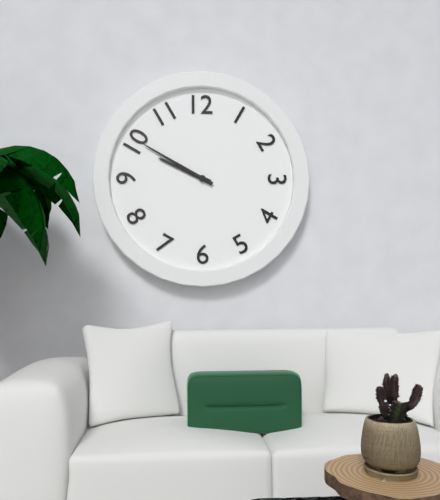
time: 9:50
